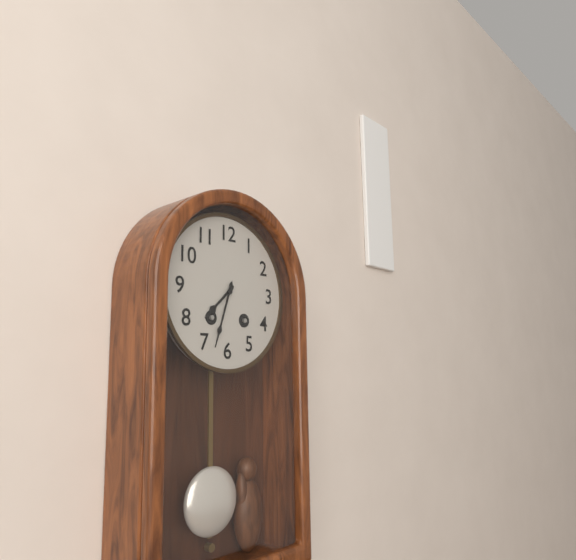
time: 7:33
